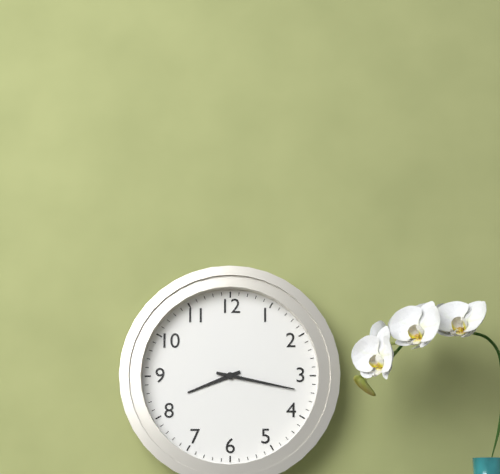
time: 8:17
